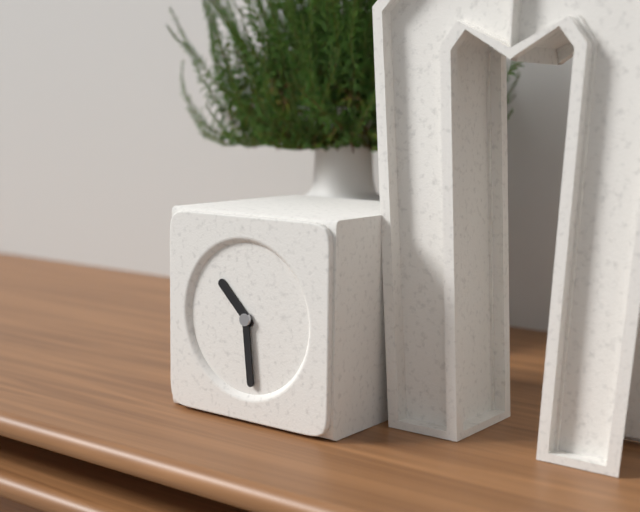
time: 10:29
